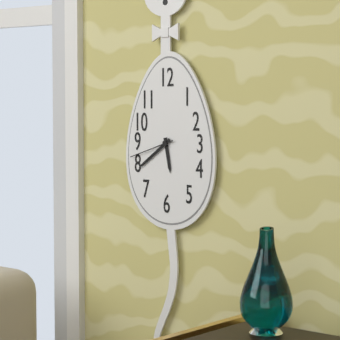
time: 5:39
